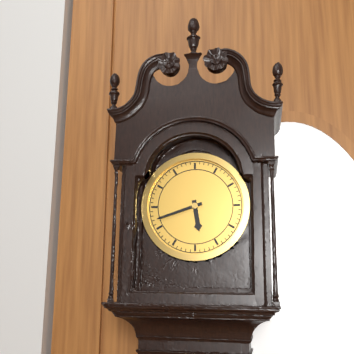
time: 5:42
